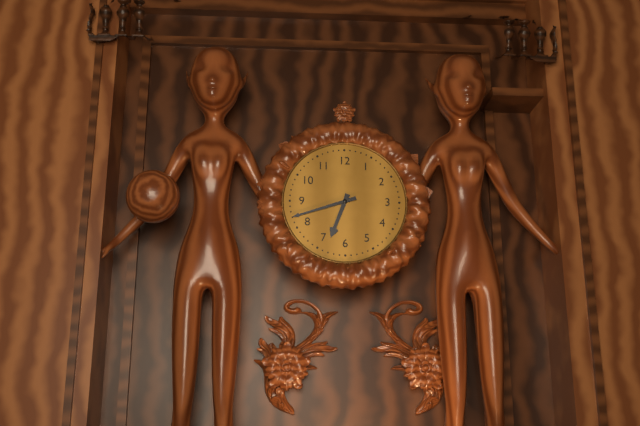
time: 6:42
